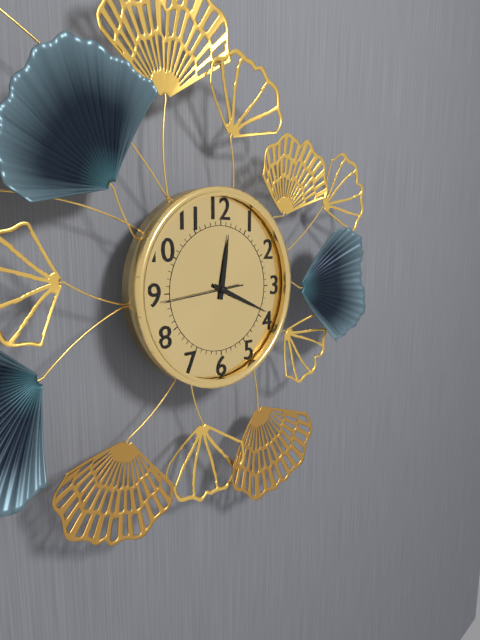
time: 12:19:44
